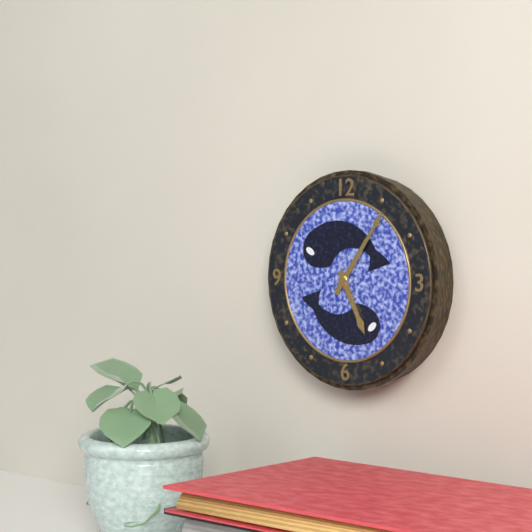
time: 5:06
